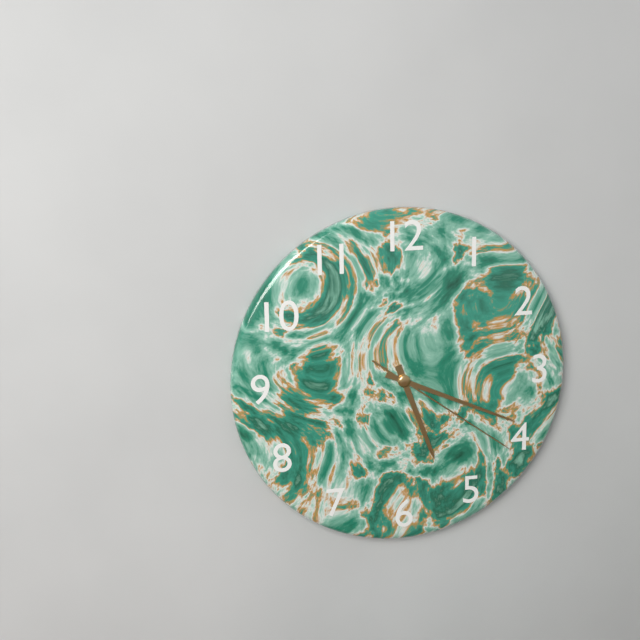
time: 5:19:21
